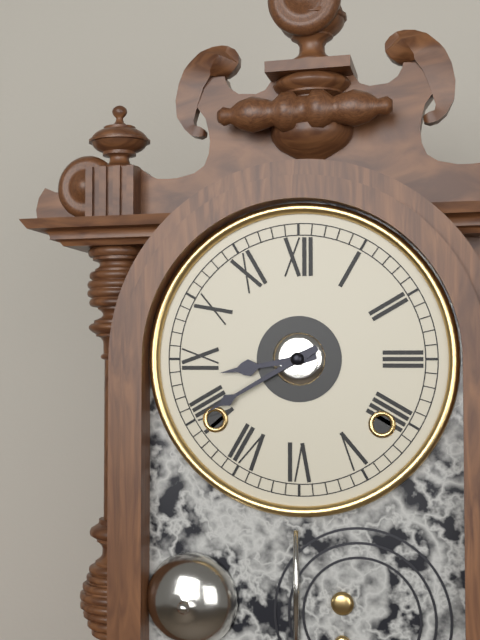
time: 8:40
